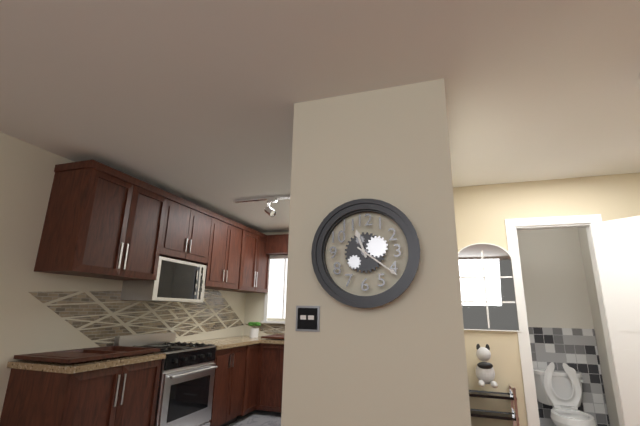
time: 11:21
